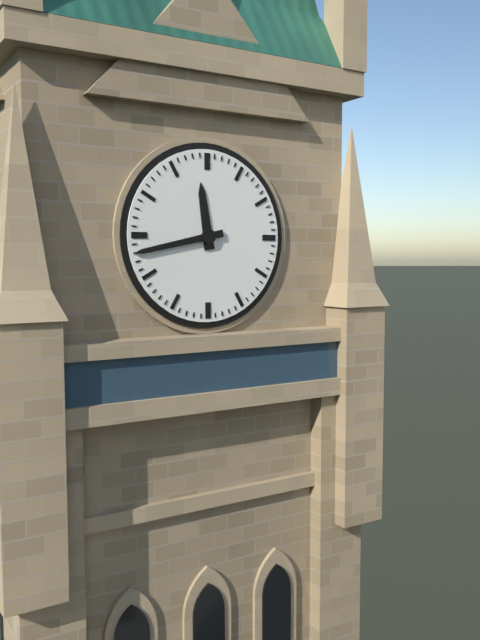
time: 11:43
